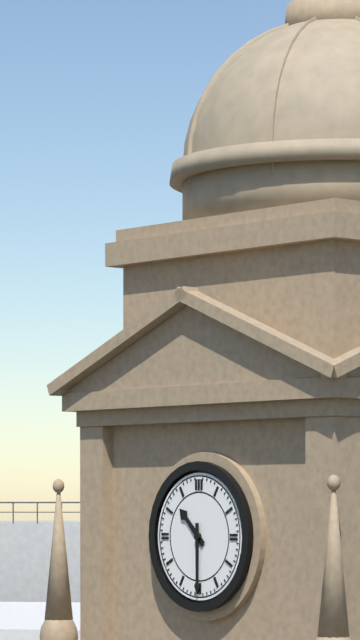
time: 10:30
